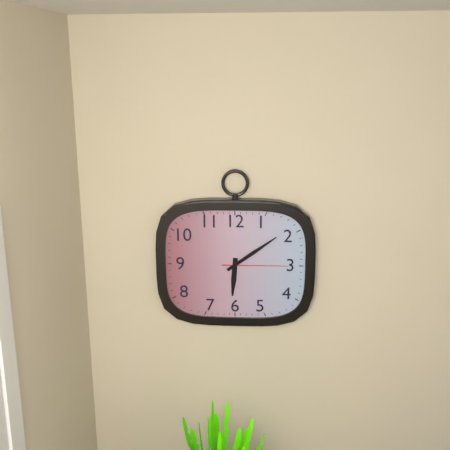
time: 6:09:15
